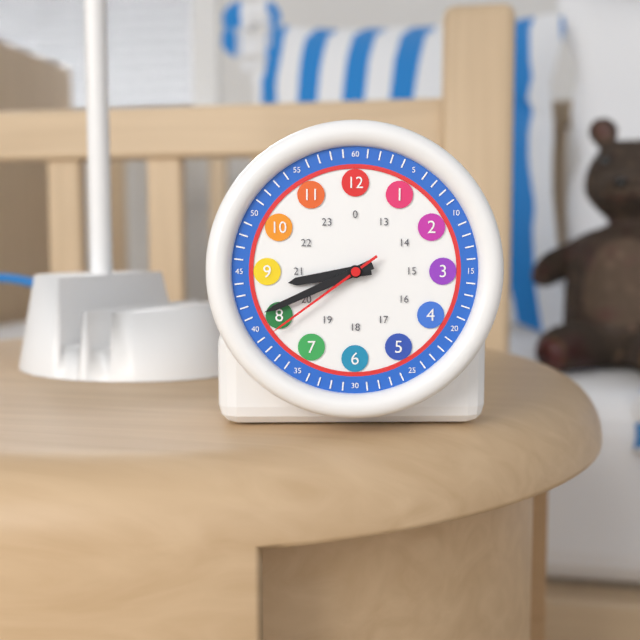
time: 8:41:39
